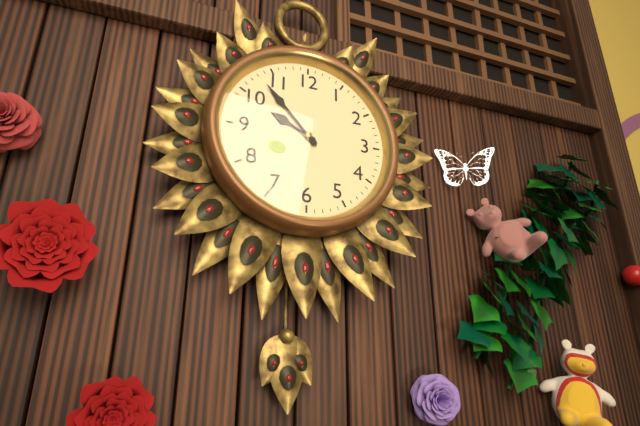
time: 9:53
